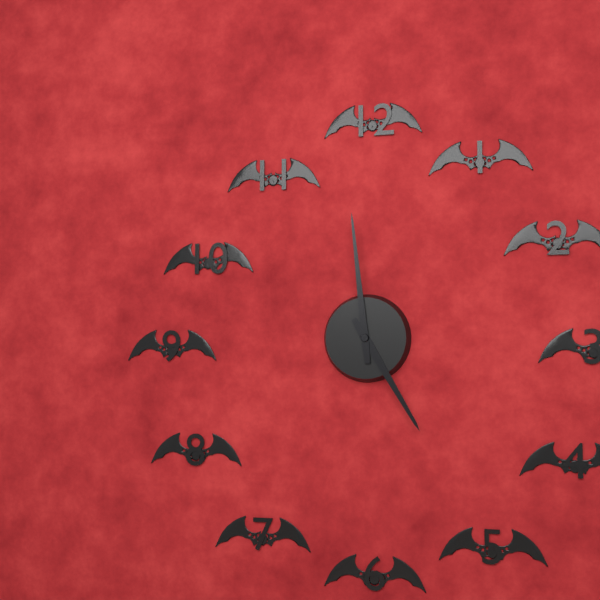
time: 4:59
